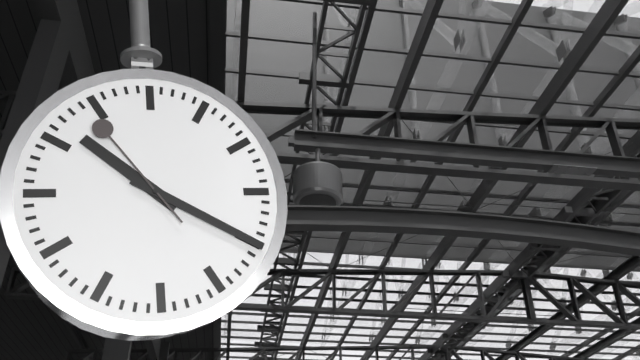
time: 10:20:54
